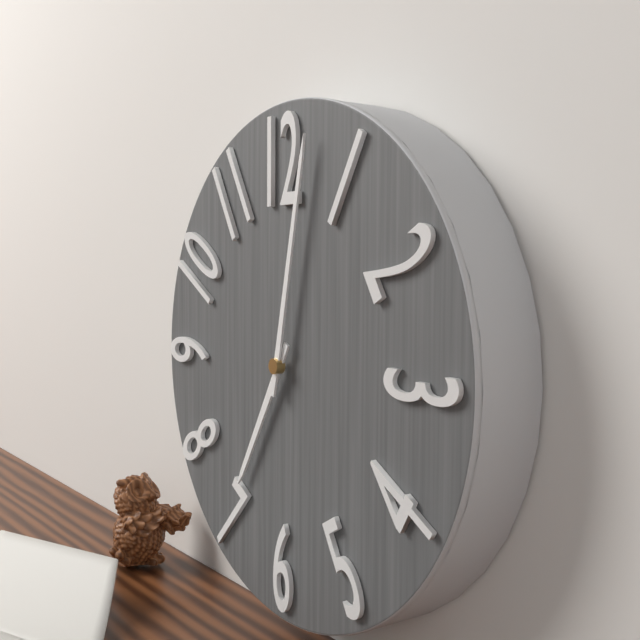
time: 7:02
